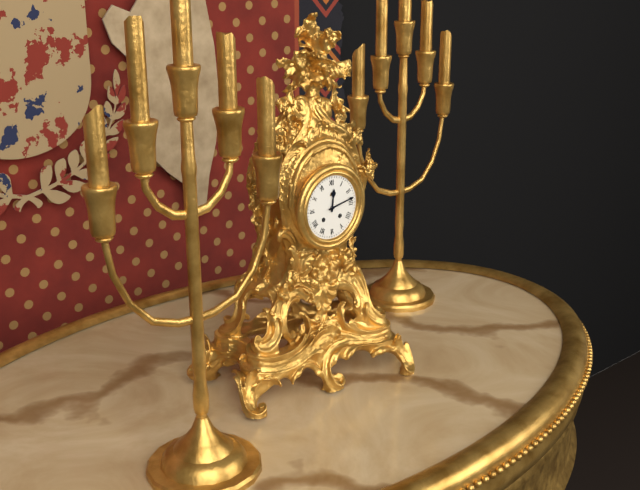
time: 12:13
